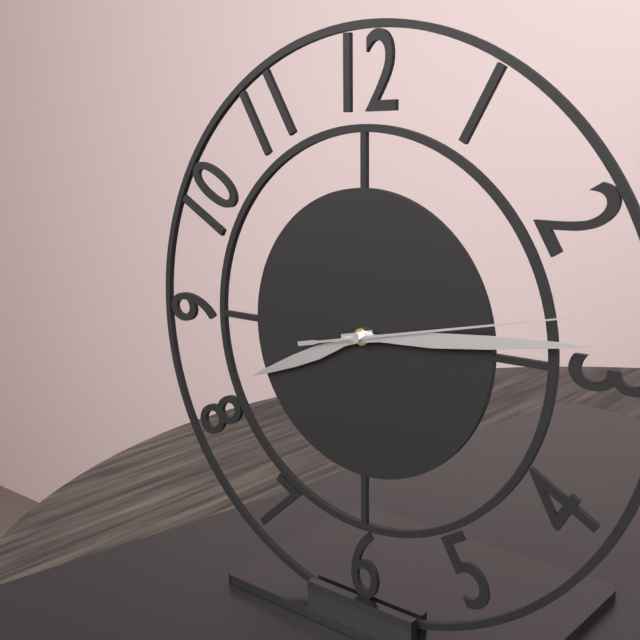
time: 8:14:13
